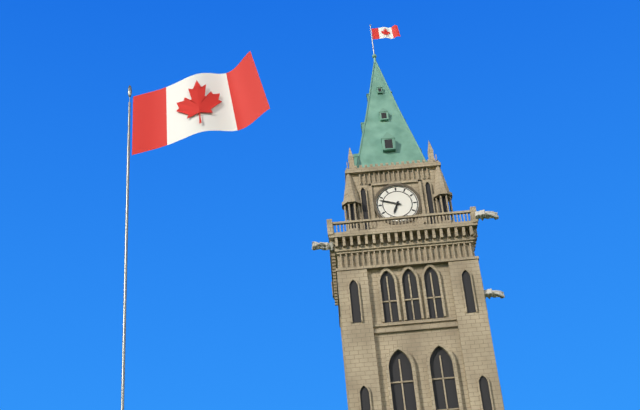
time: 6:48
